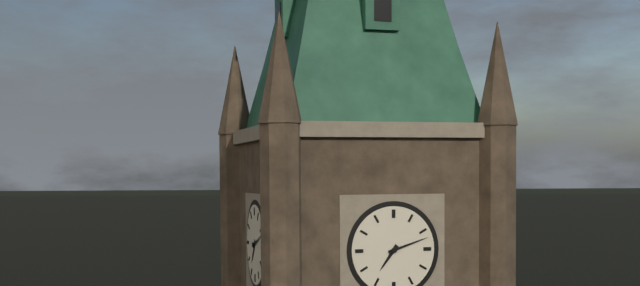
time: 7:12
